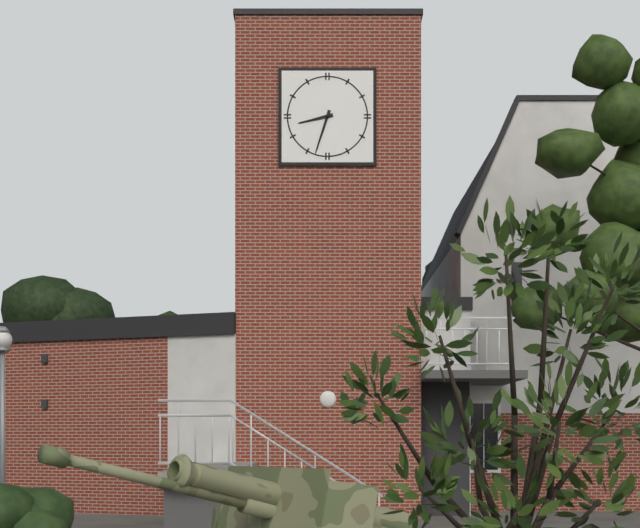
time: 8:33
